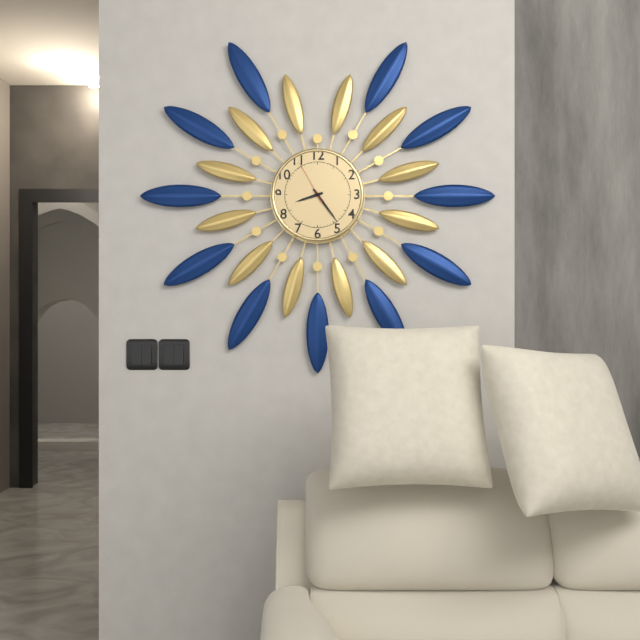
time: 8:24
